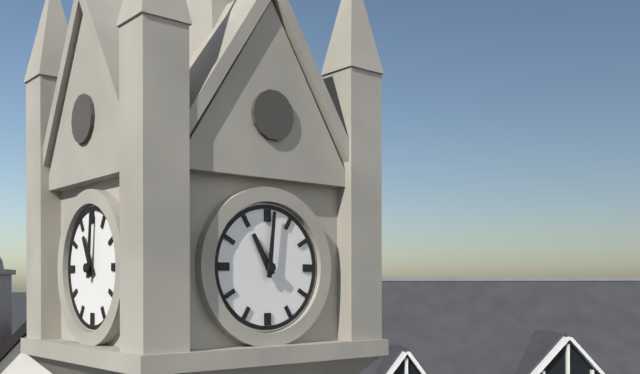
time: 11:01
